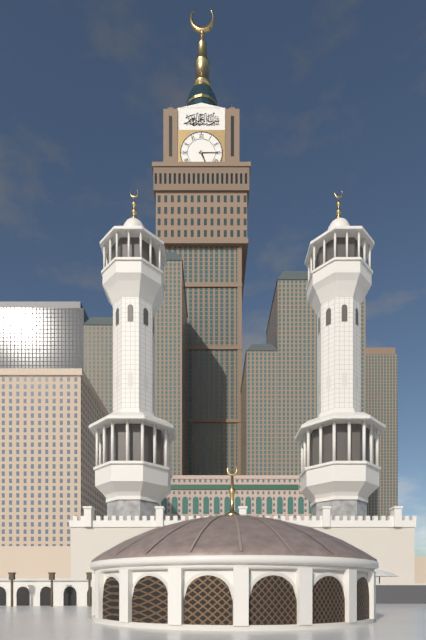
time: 5:15
